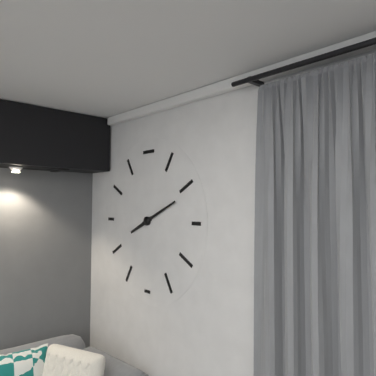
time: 8:11
